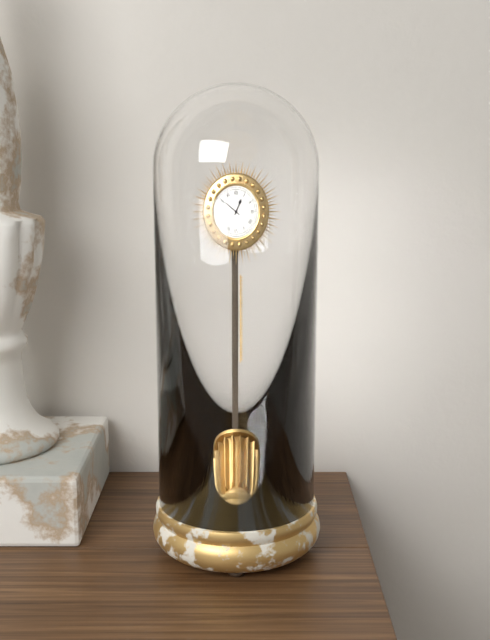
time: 12:51
